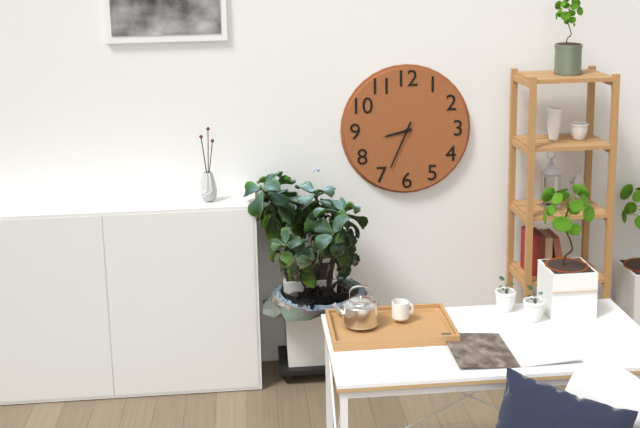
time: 8:34
